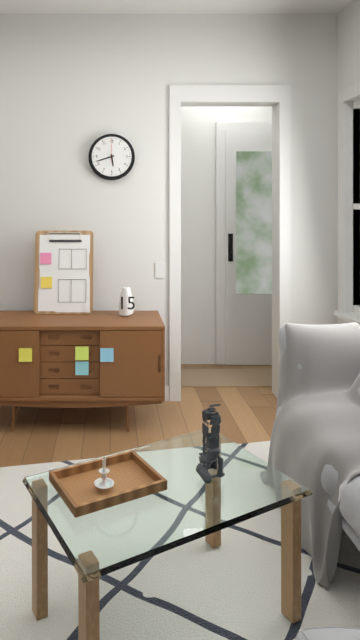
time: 5:42
